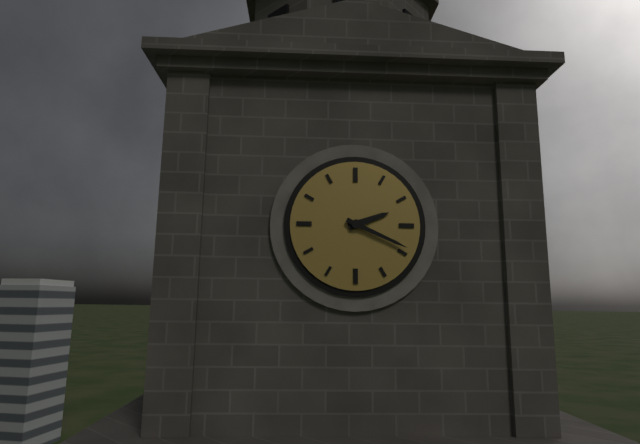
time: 2:19
